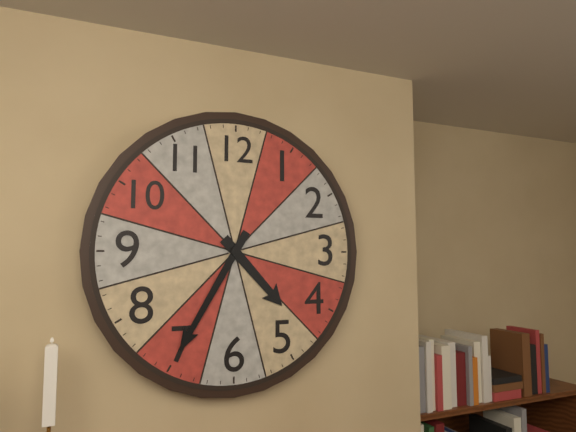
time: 4:35
